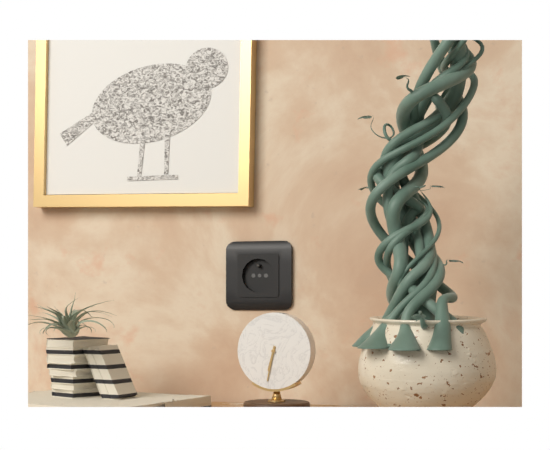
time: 6:32
